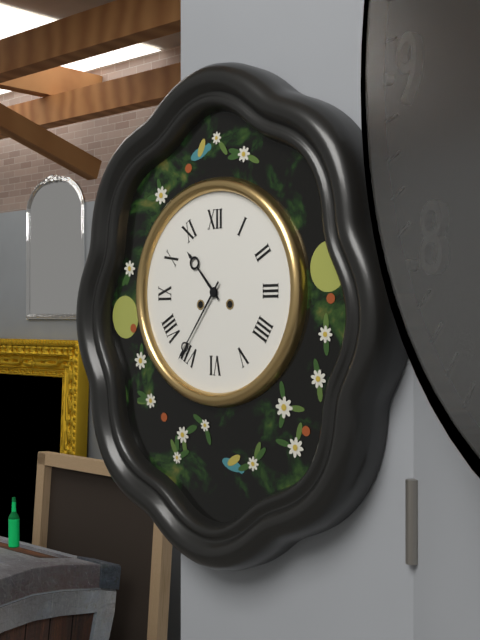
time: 10:36
